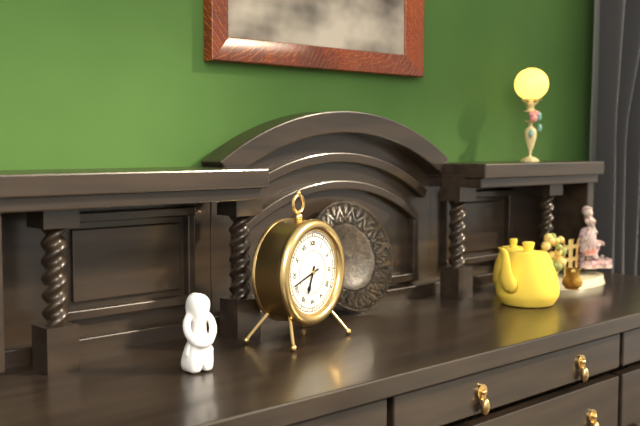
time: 6:42
